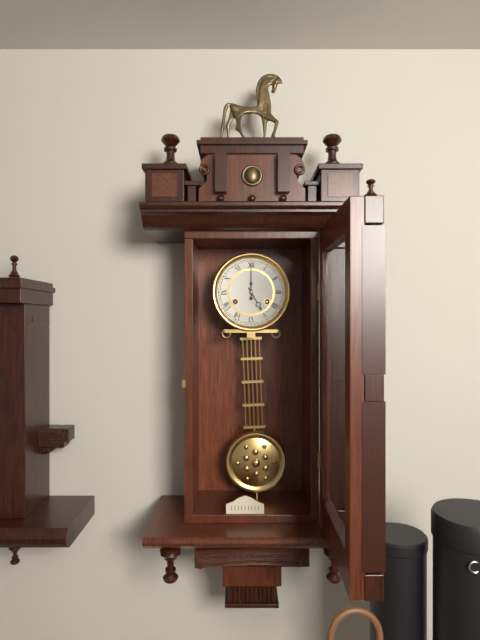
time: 5:00
